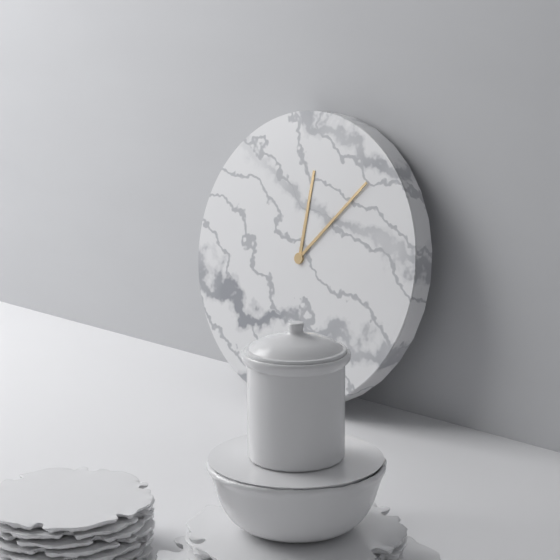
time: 12:07
